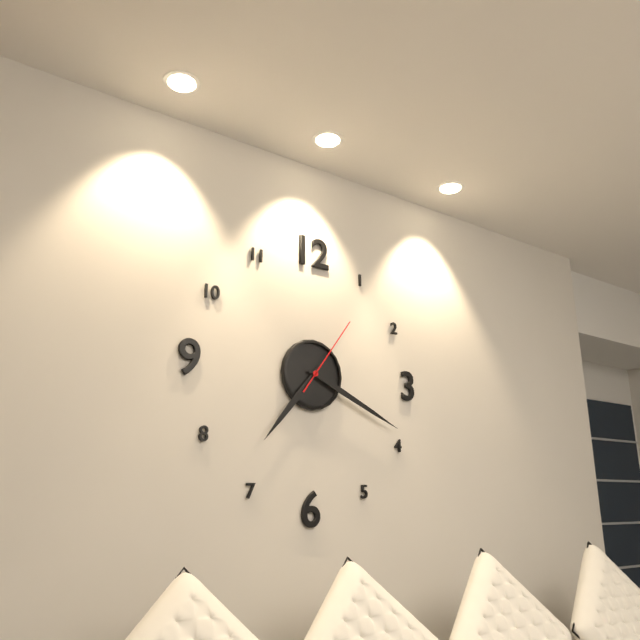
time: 7:19:06
